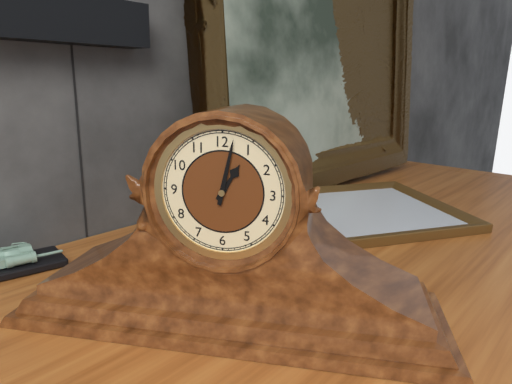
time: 1:02
